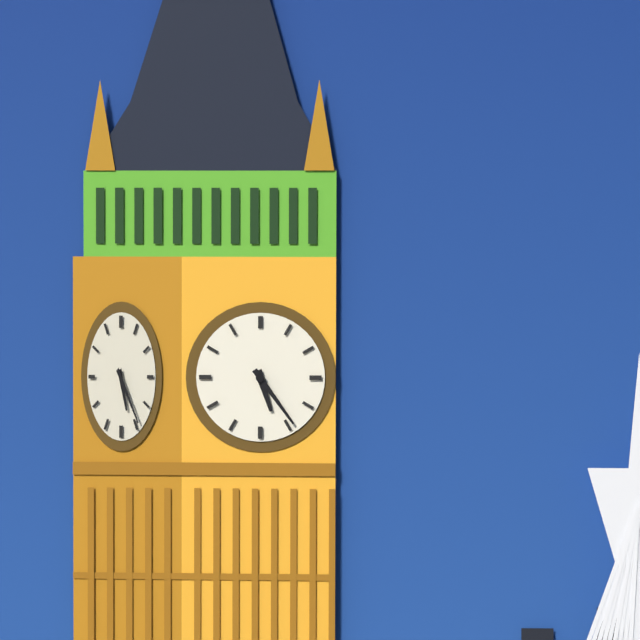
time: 5:24
